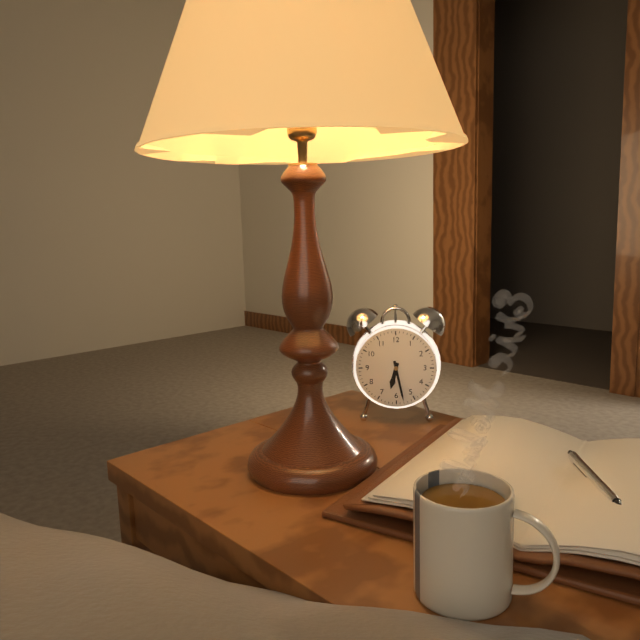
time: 6:28
